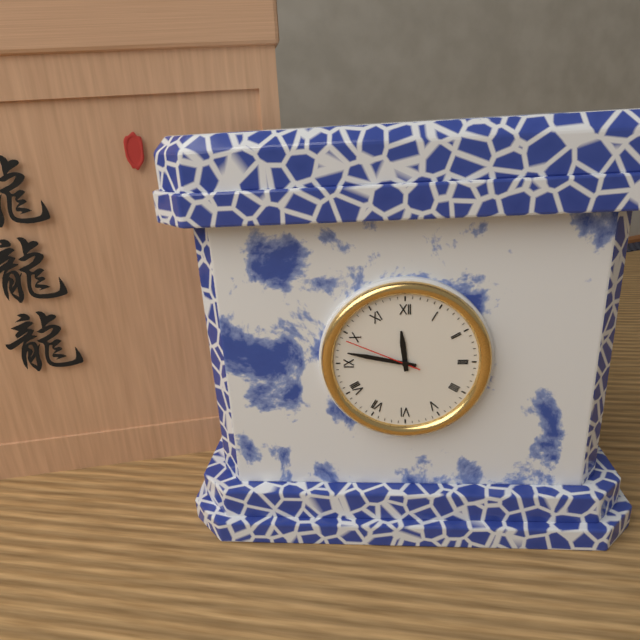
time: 11:47:49
